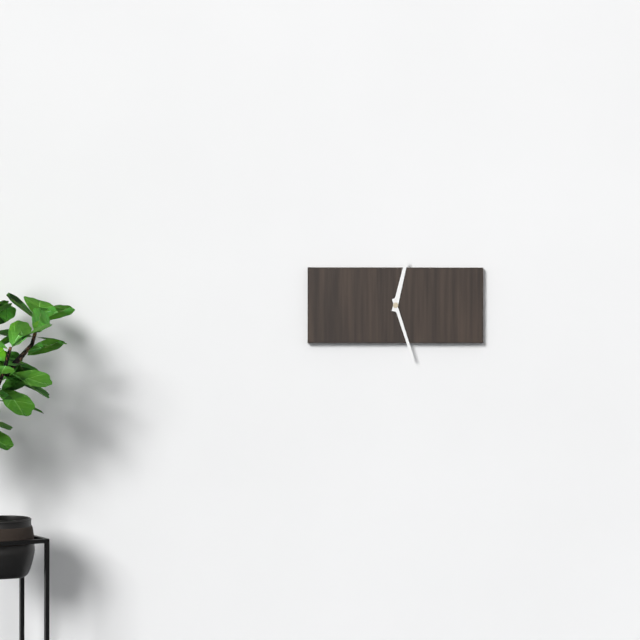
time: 12:27
